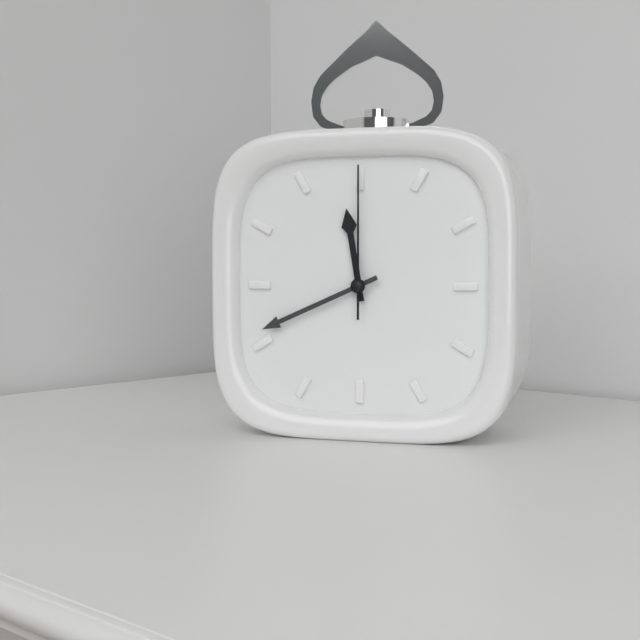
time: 11:41:00
